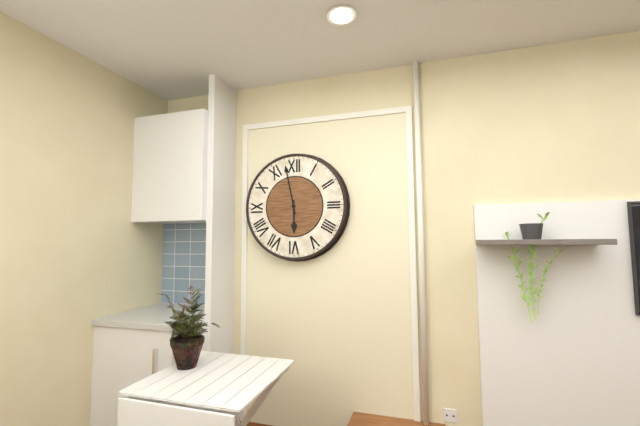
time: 5:58
